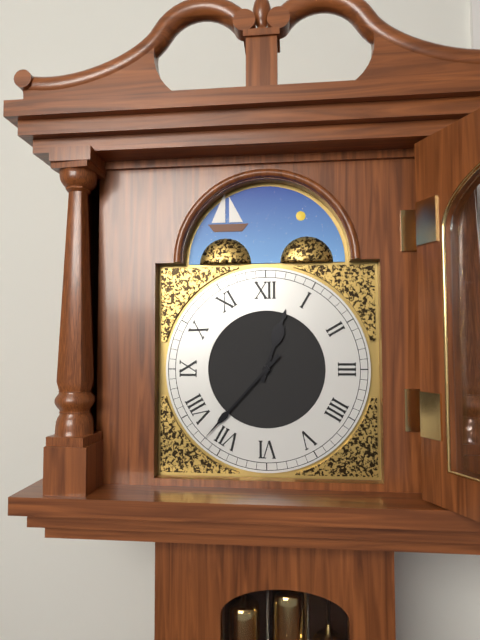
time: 12:37
